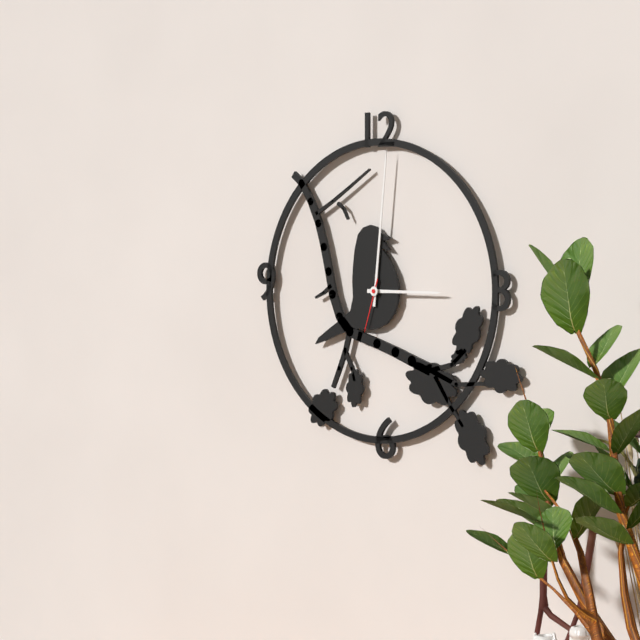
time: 3:01:33
